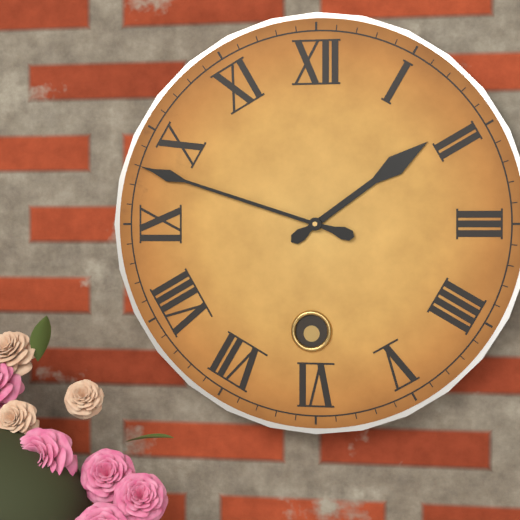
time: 1:48
